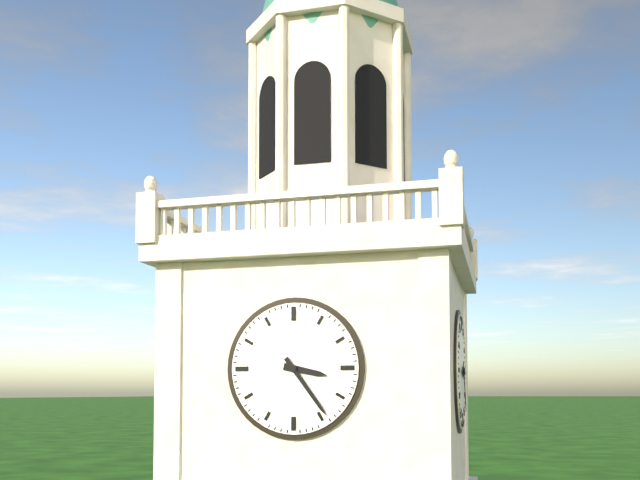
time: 3:24
